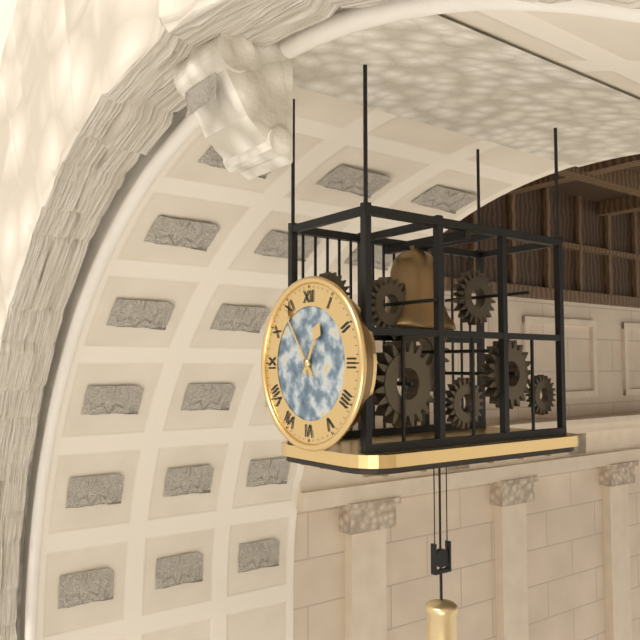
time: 12:54
